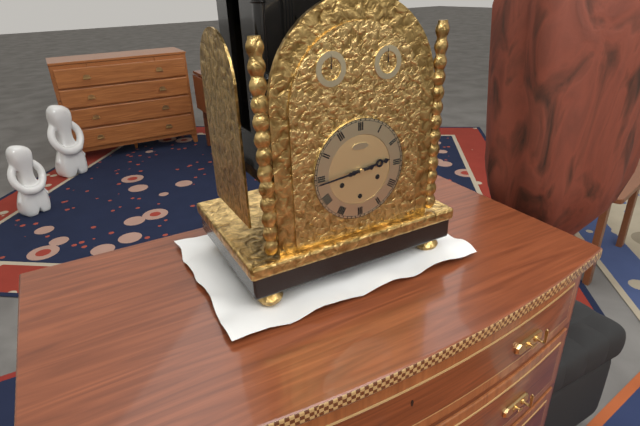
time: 2:44
